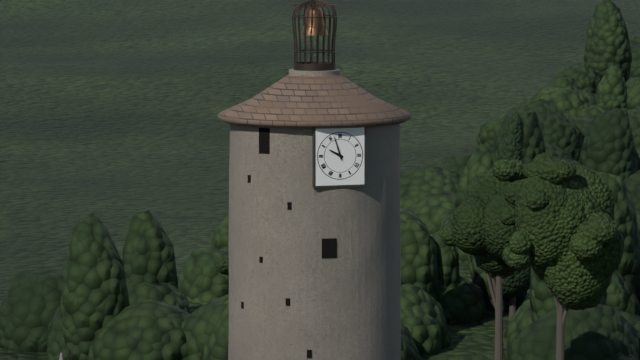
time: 9:57
